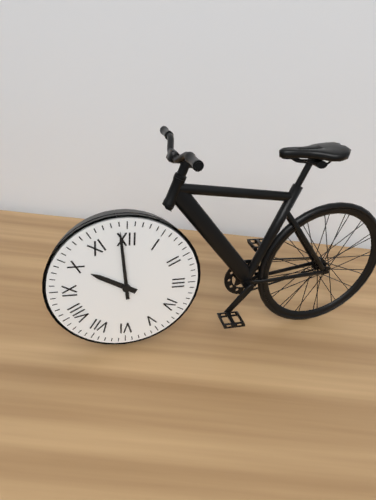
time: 9:59
